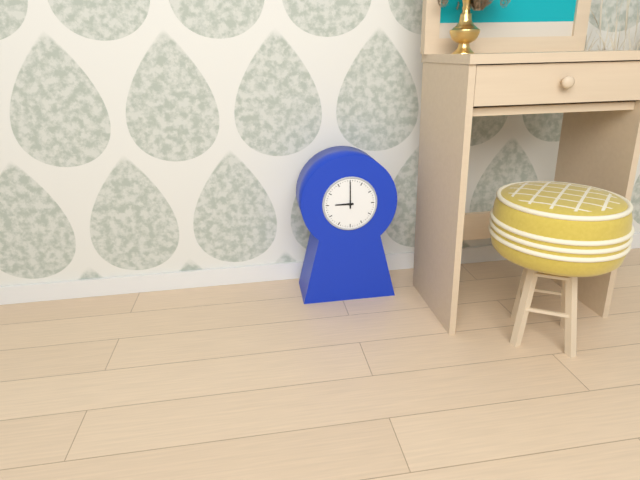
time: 9:00
